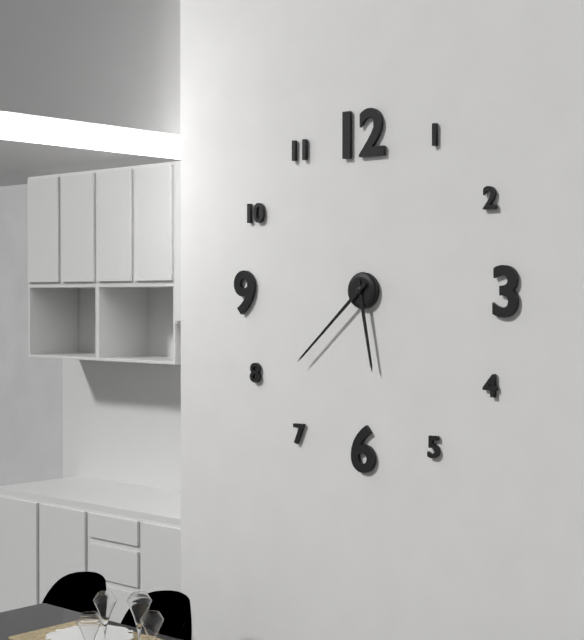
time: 5:38
